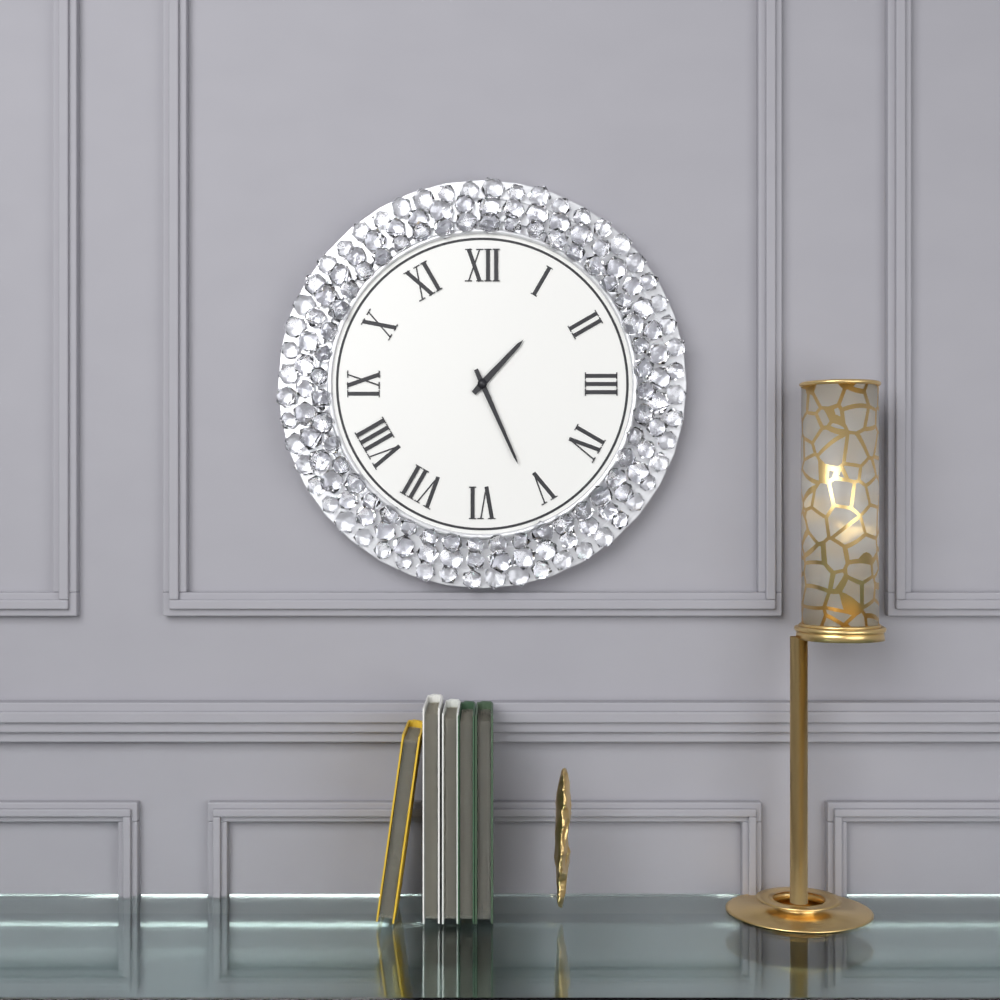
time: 1:26
